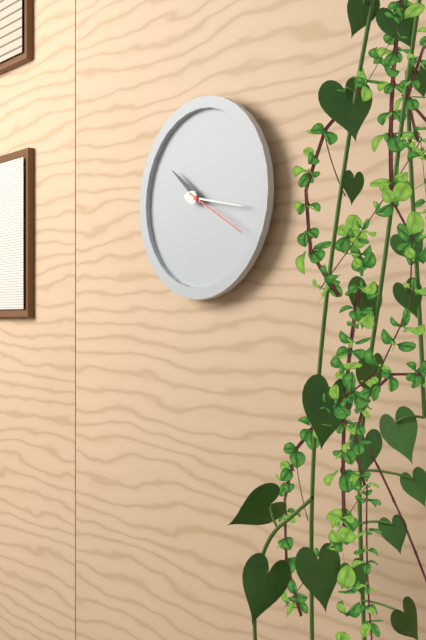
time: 10:17:20
